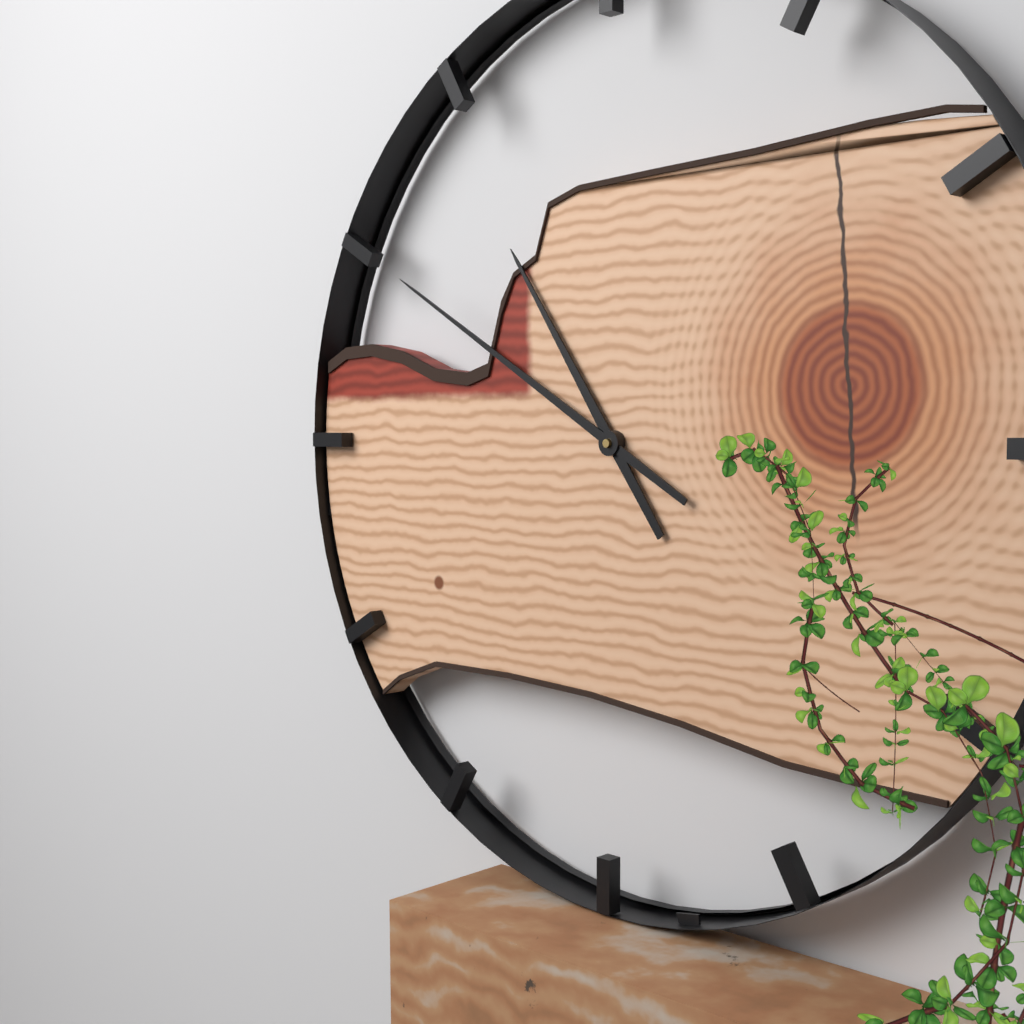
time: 10:50
